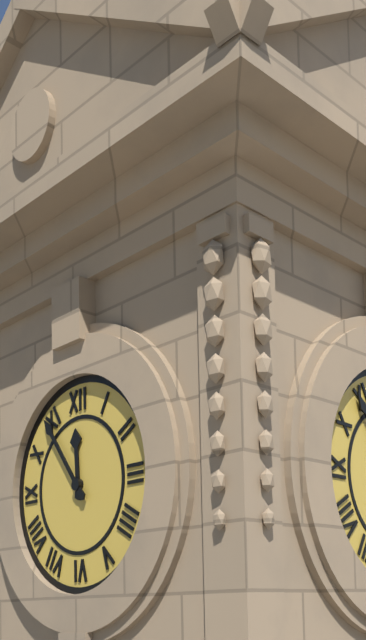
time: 11:54
